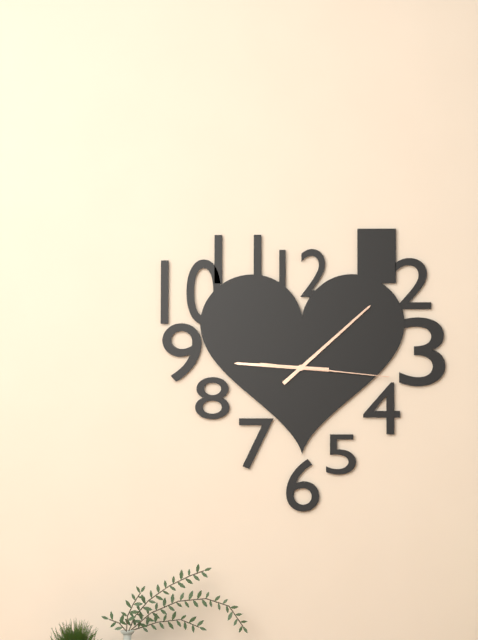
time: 9:08:16
